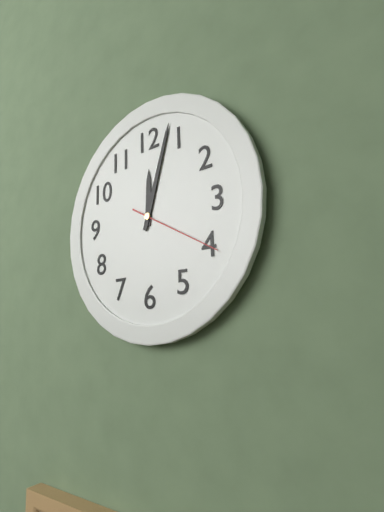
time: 12:03:20
